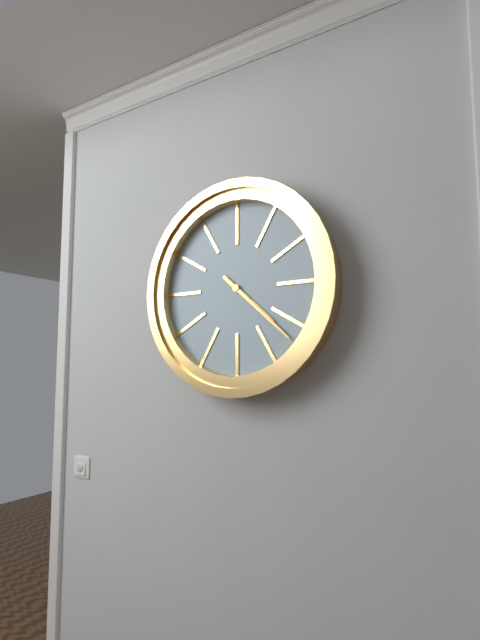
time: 4:22
